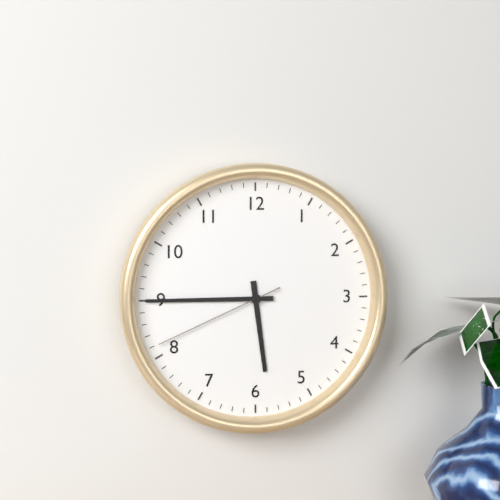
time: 5:45:41
